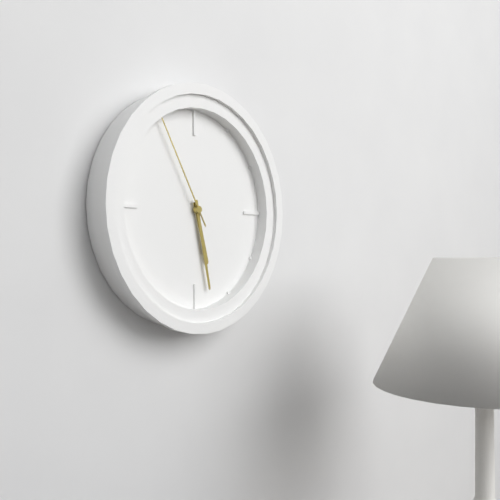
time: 5:28:55
